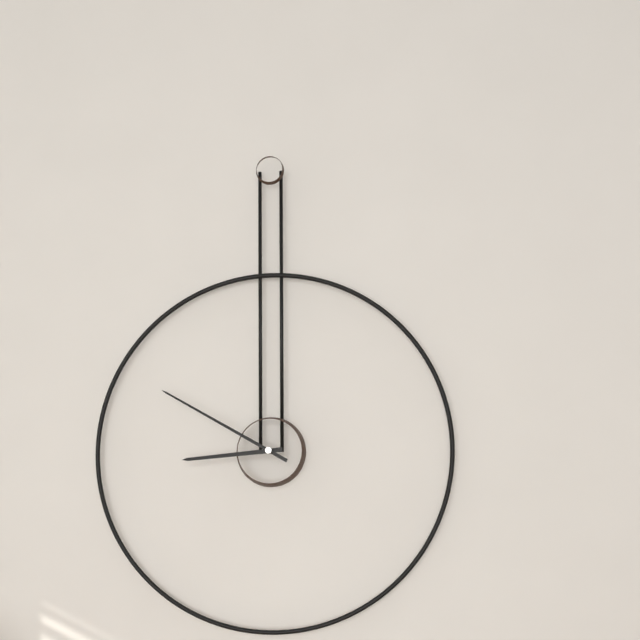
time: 8:50
